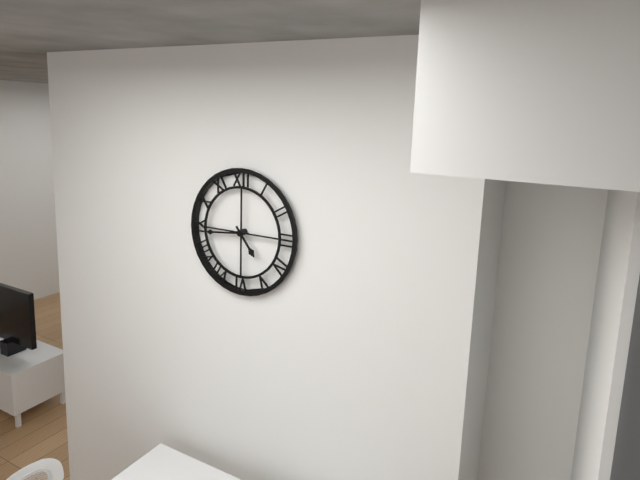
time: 4:44
